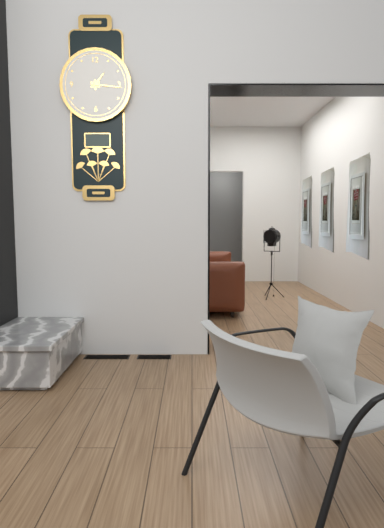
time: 1:16
